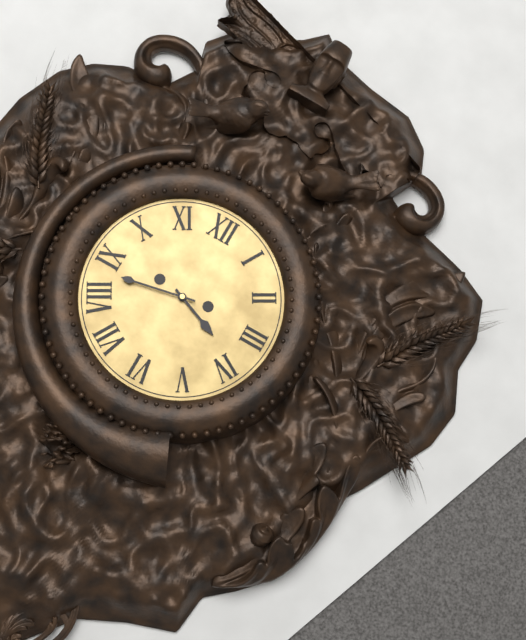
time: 3:43
